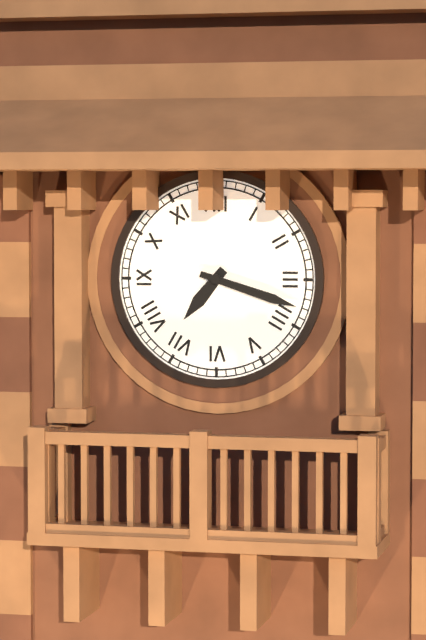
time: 7:18
